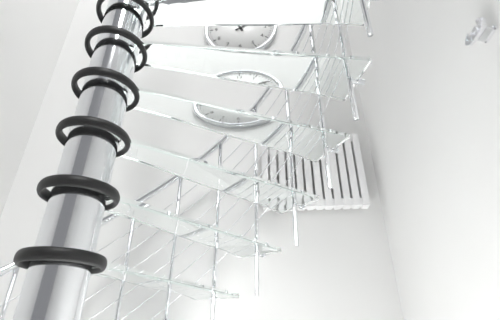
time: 11:10
